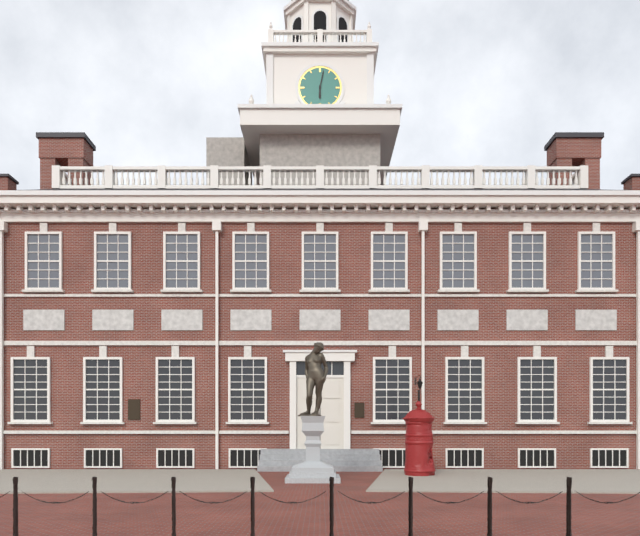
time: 6:02
